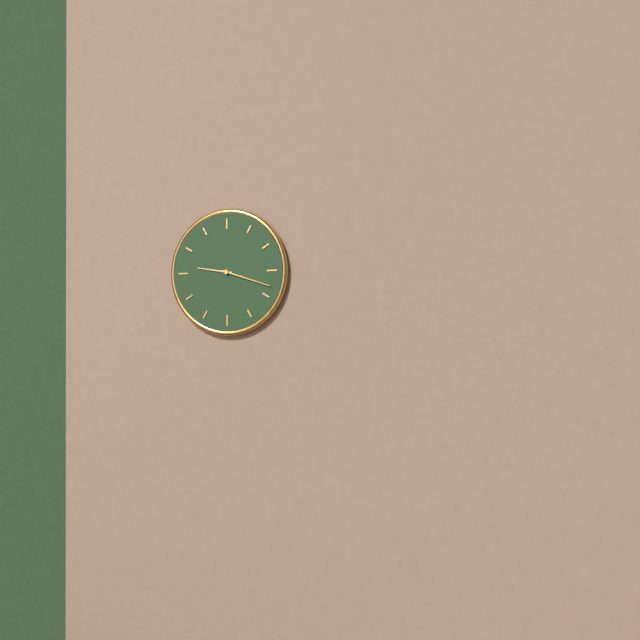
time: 9:18
